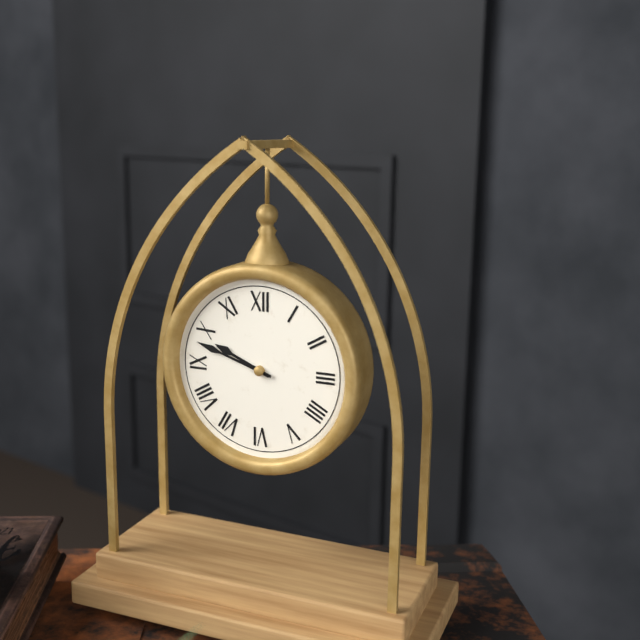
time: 9:48
